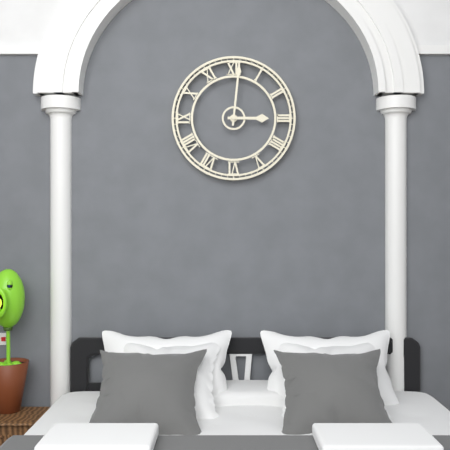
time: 3:01
